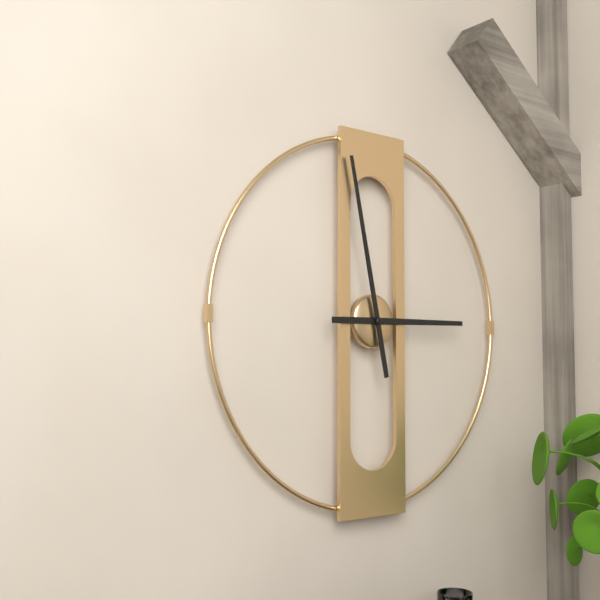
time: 2:58
